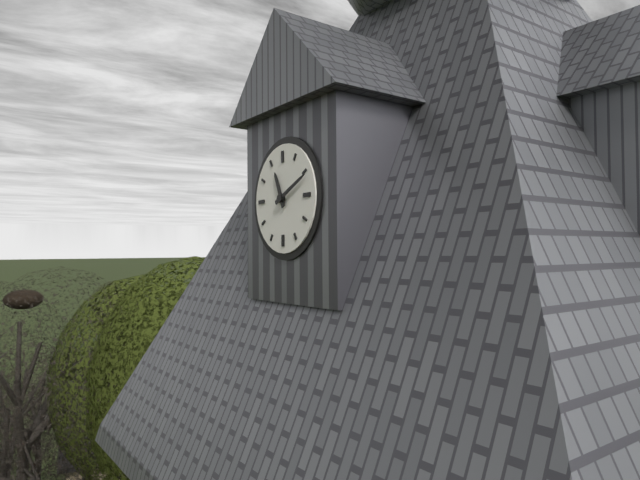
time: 11:11
